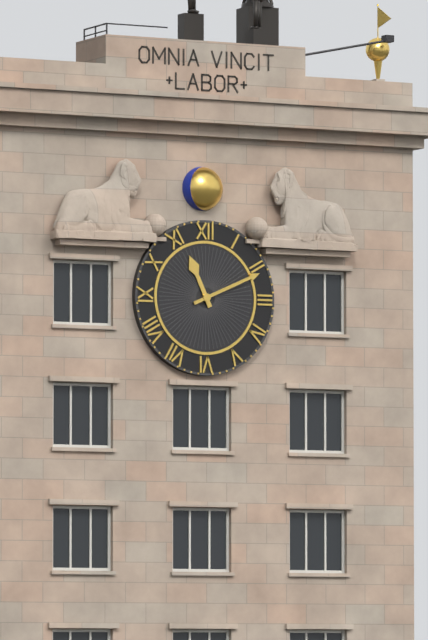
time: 11:11
